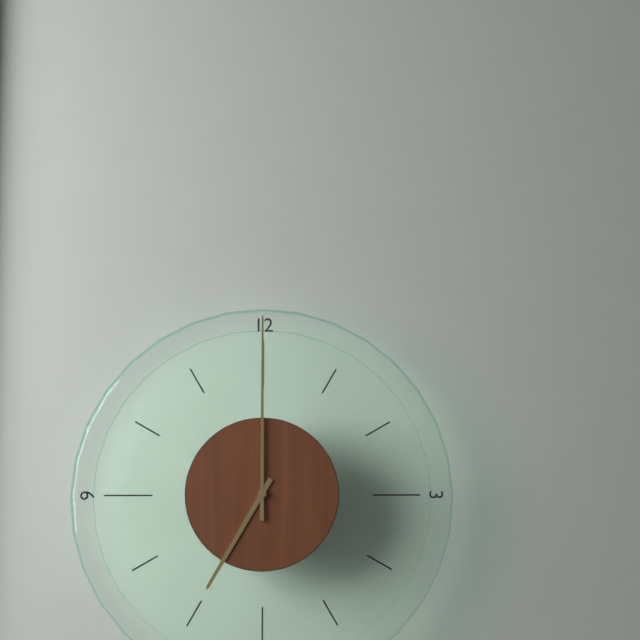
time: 7:00
